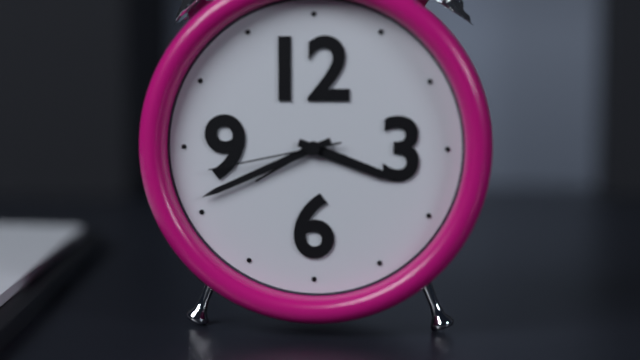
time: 3:41:43
